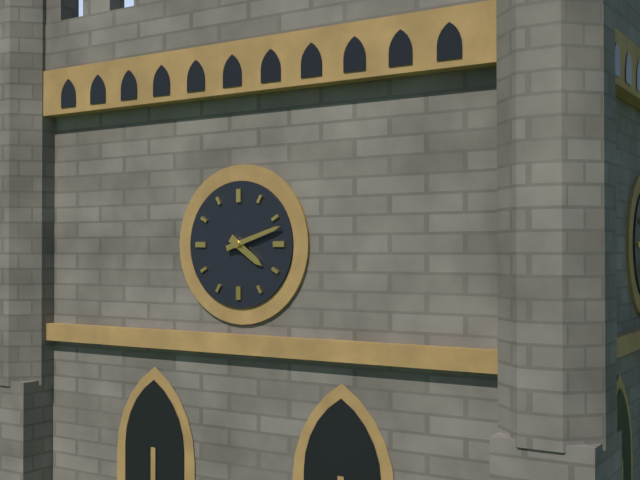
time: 4:12
